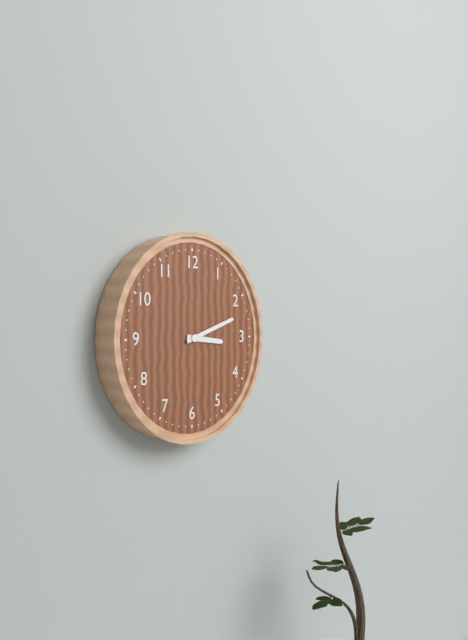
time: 3:12
